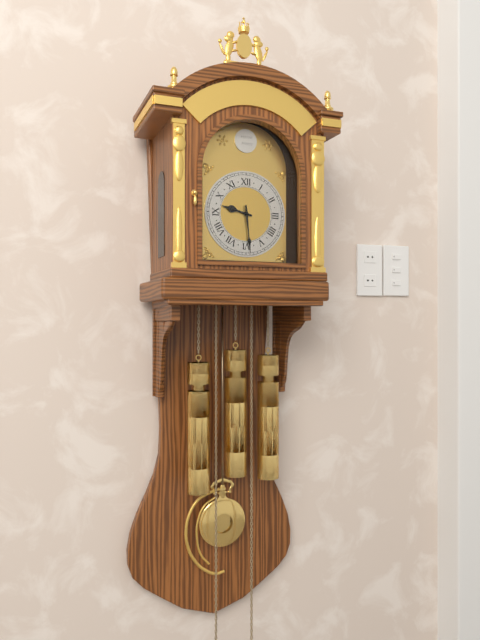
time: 9:29
